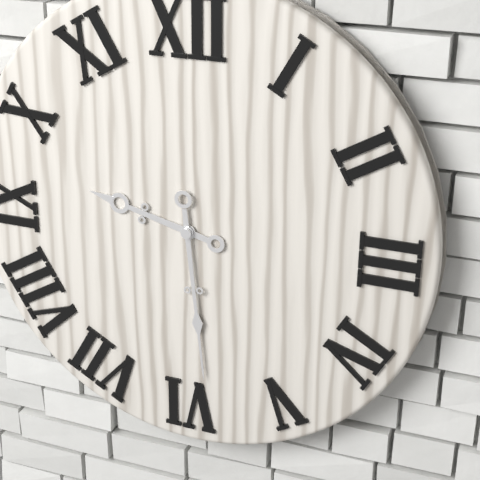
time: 9:29
